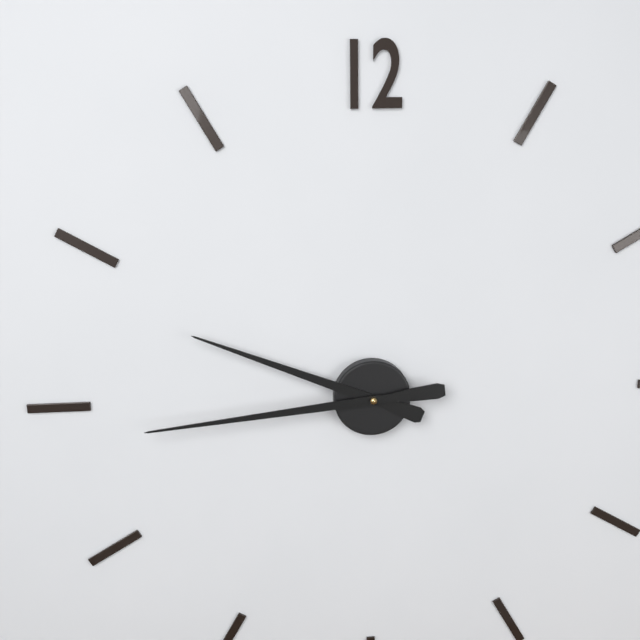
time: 9:44
